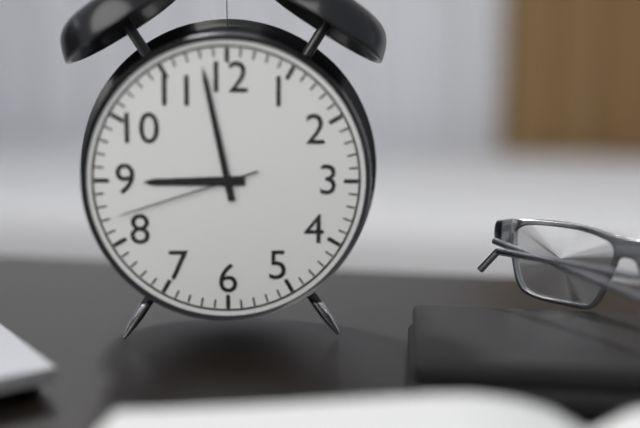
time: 8:58:42
